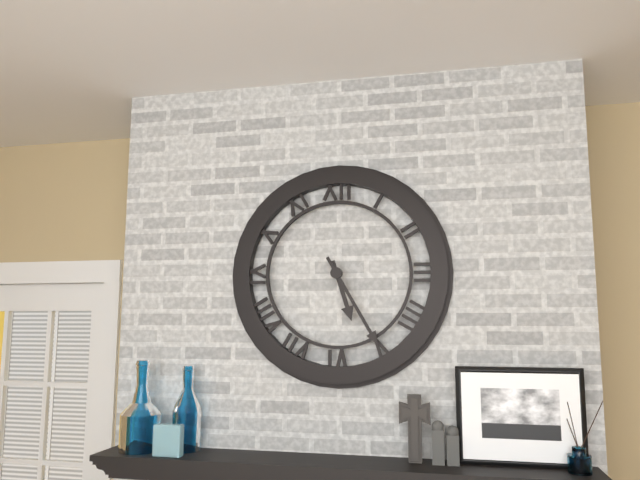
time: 5:25
